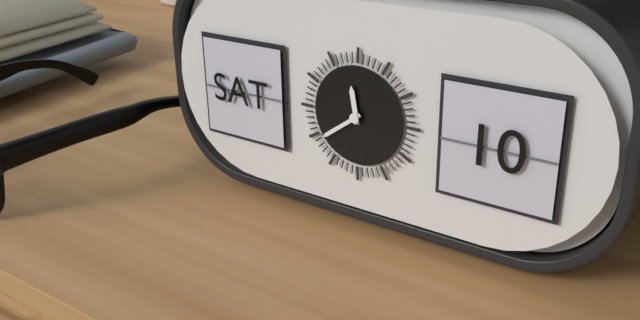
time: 11:39
